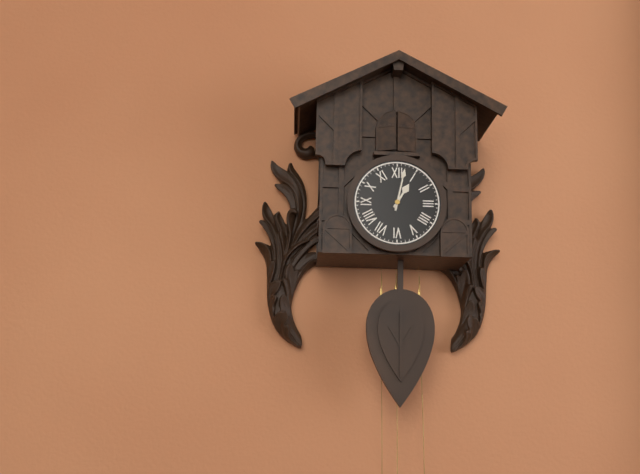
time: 1:02
